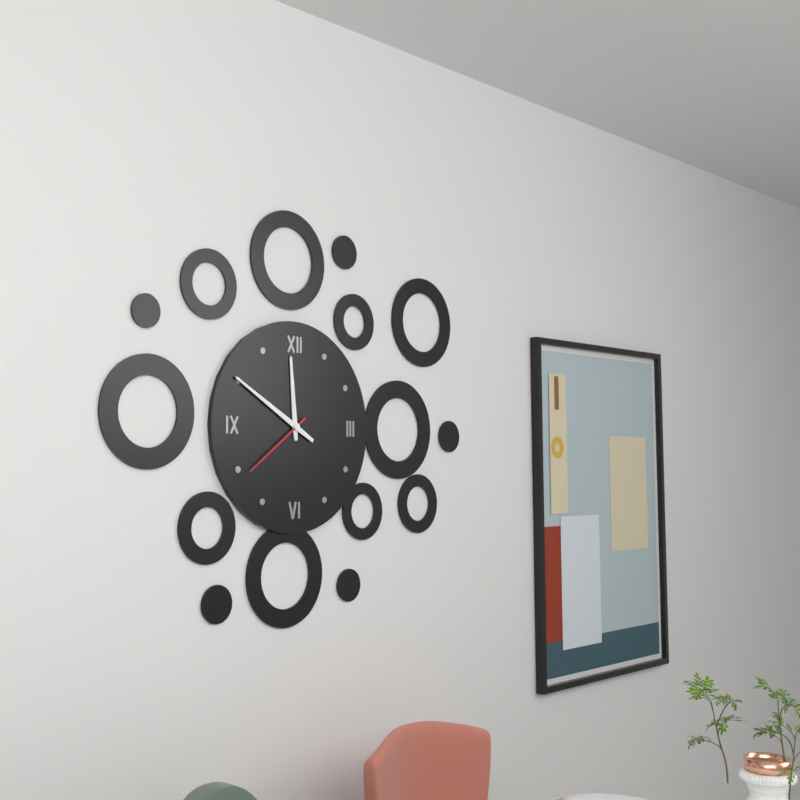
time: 11:50:39
